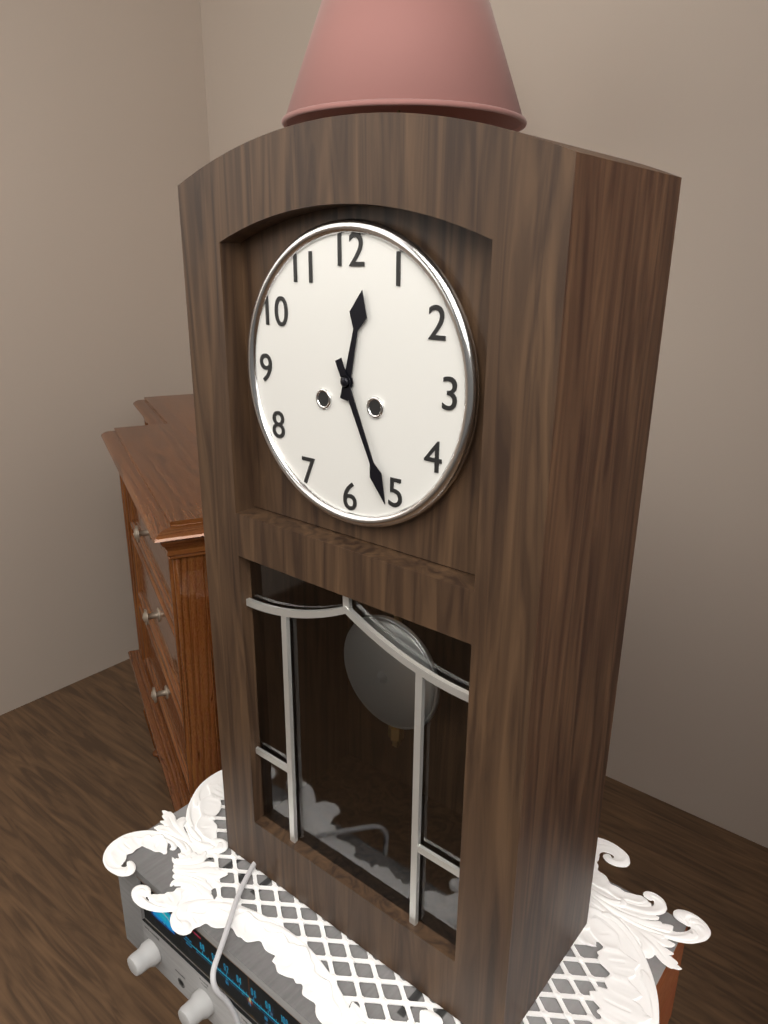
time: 12:26
